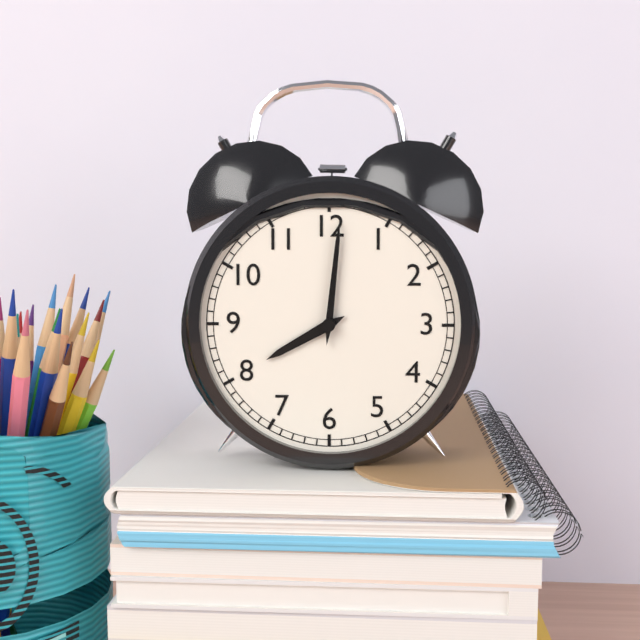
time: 8:01
